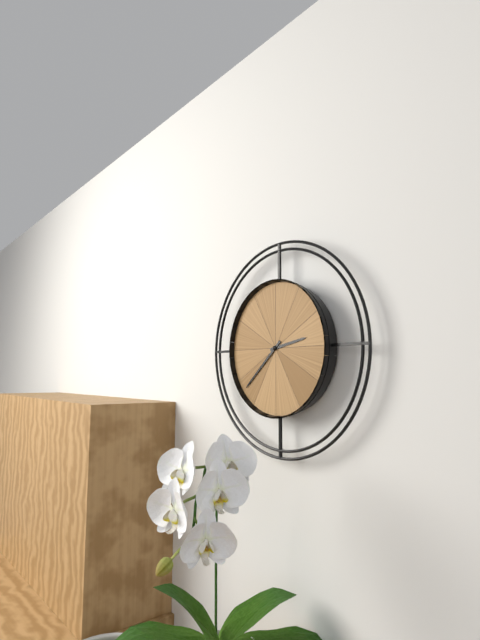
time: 2:38
